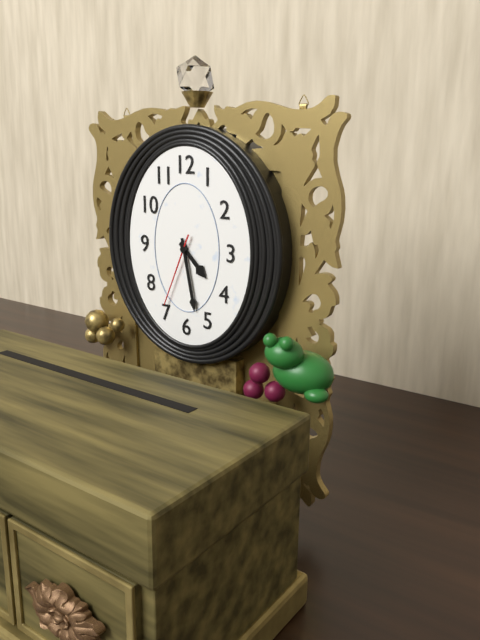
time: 4:28:34
